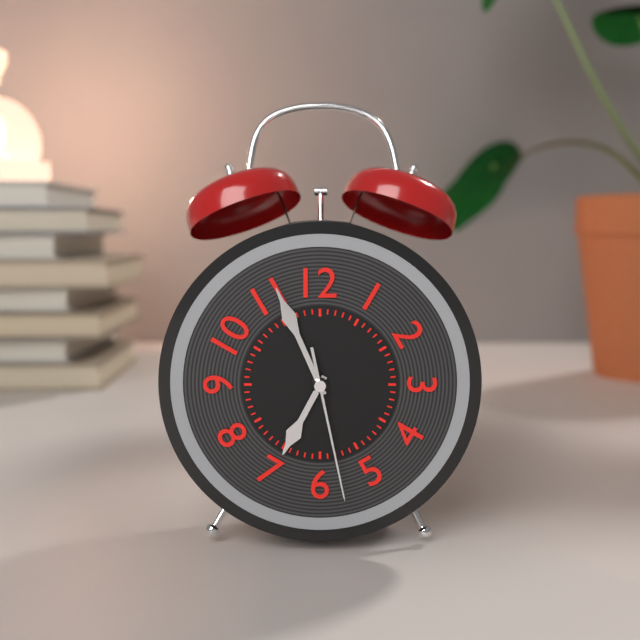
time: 6:56:28
